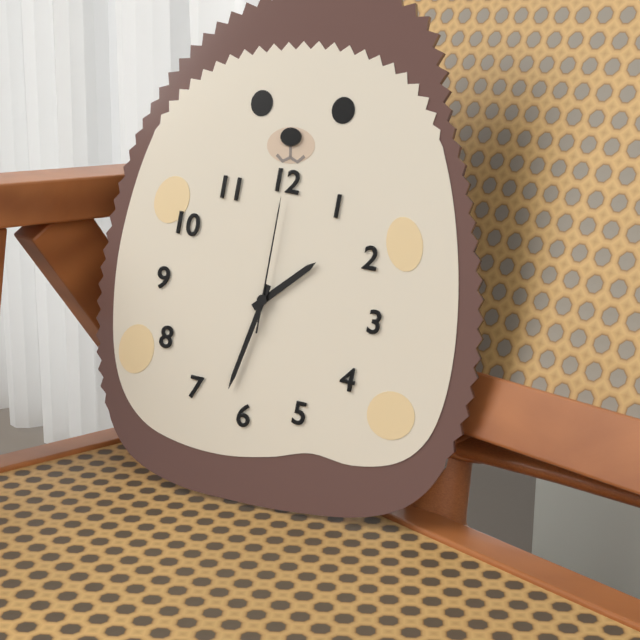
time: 1:32:00
